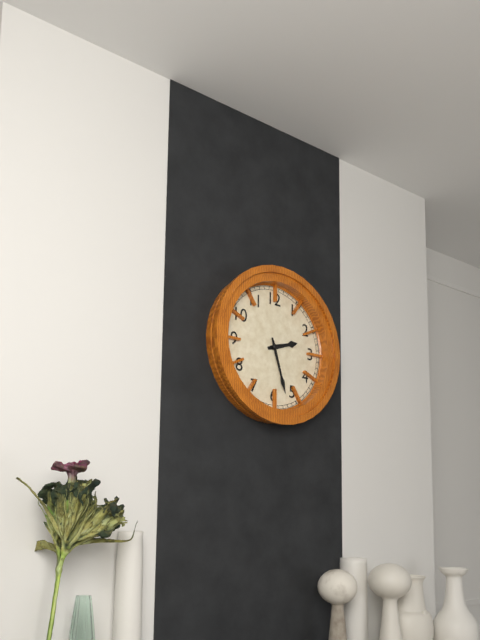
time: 2:27
